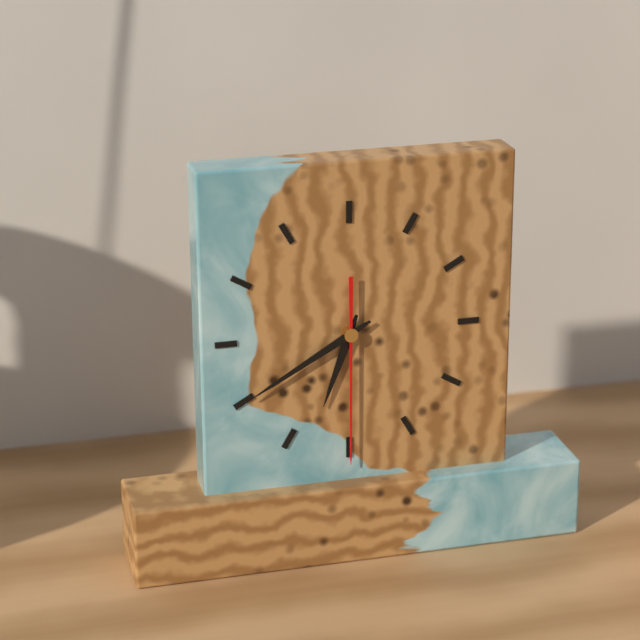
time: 6:40:30
